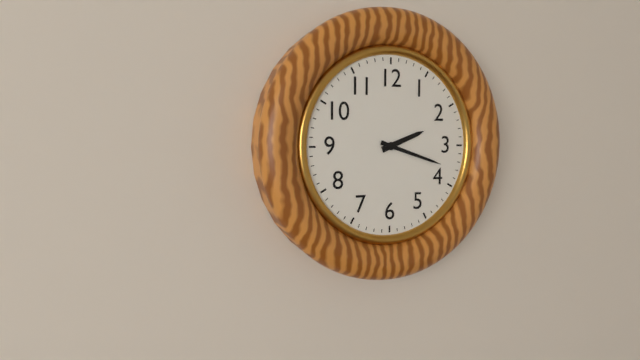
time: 2:18
